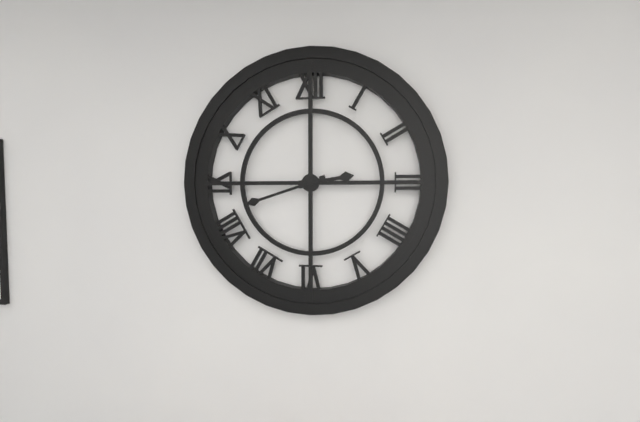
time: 2:42
